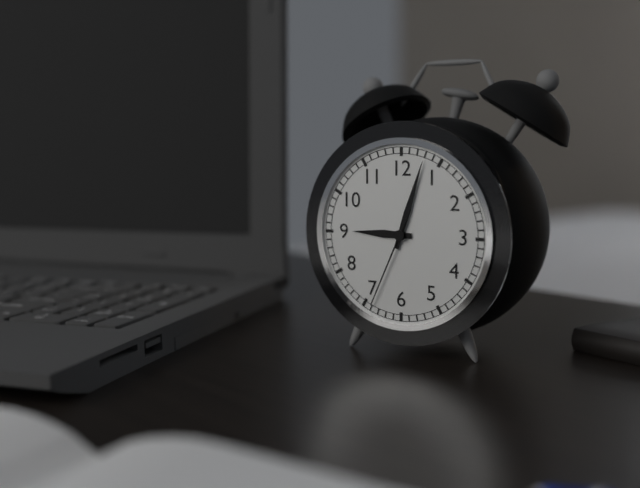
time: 9:03:34
